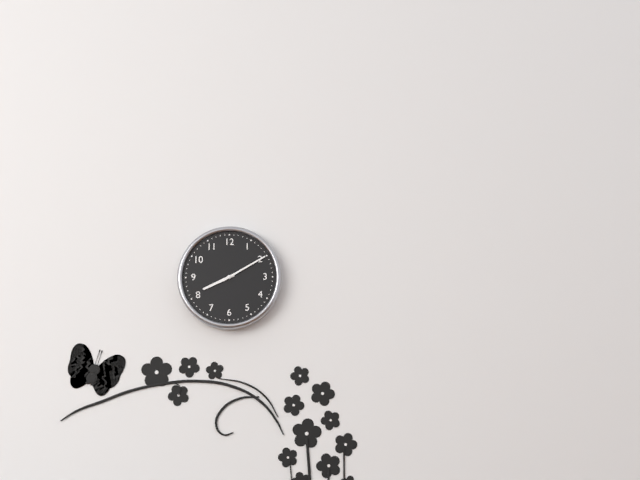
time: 8:10
